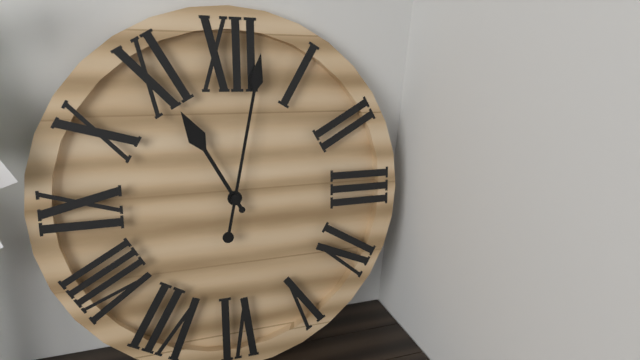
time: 11:02
